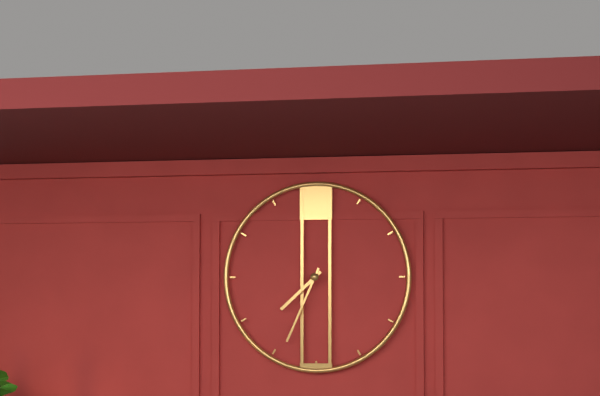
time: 7:34
